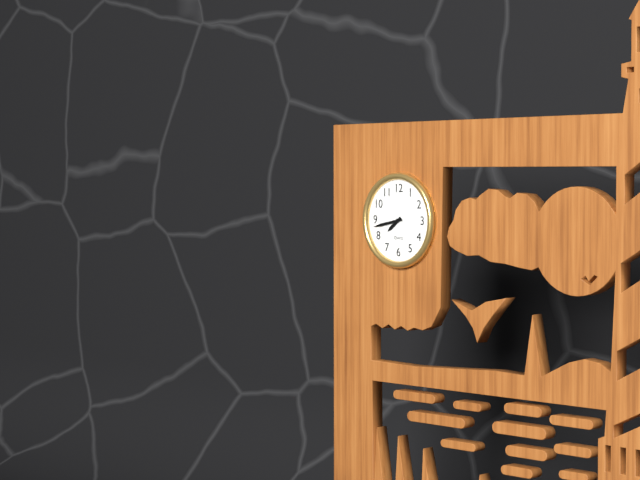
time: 7:43
